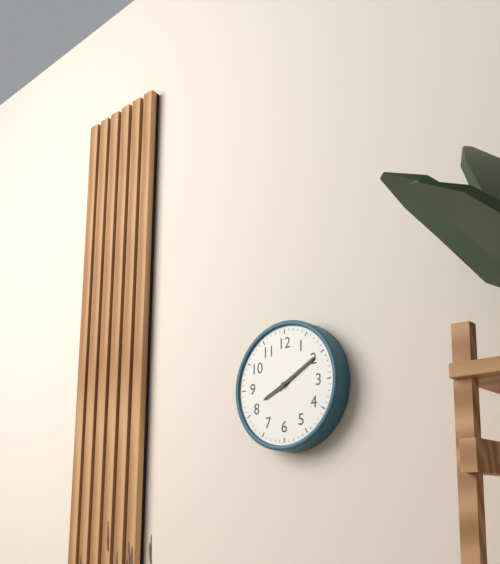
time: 8:10
